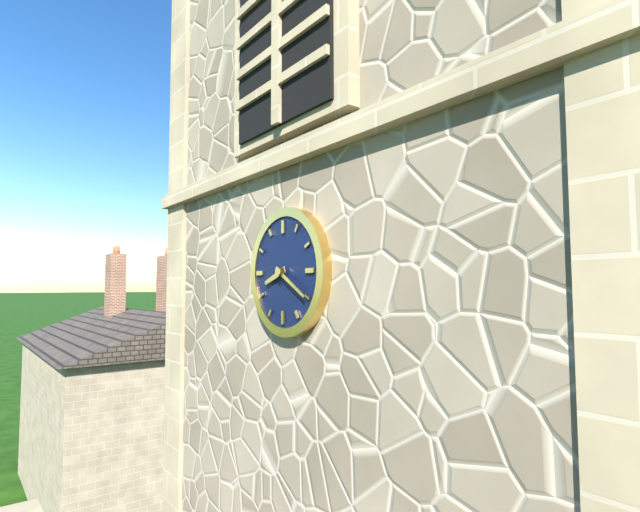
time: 8:20
